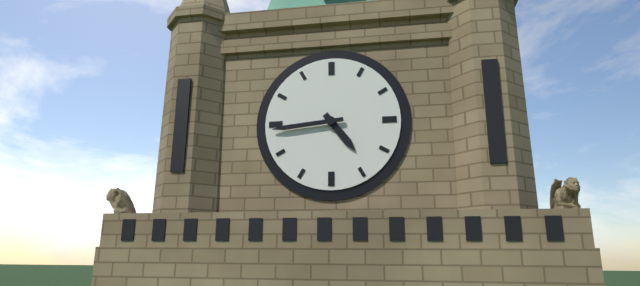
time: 4:44
